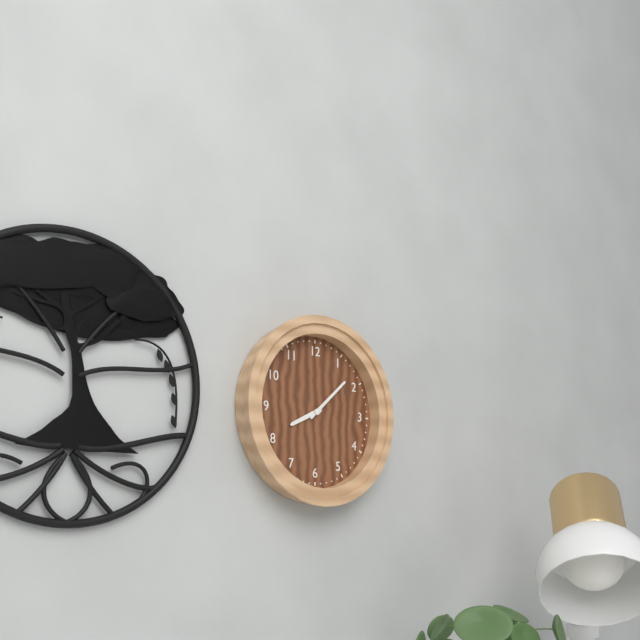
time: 8:08
